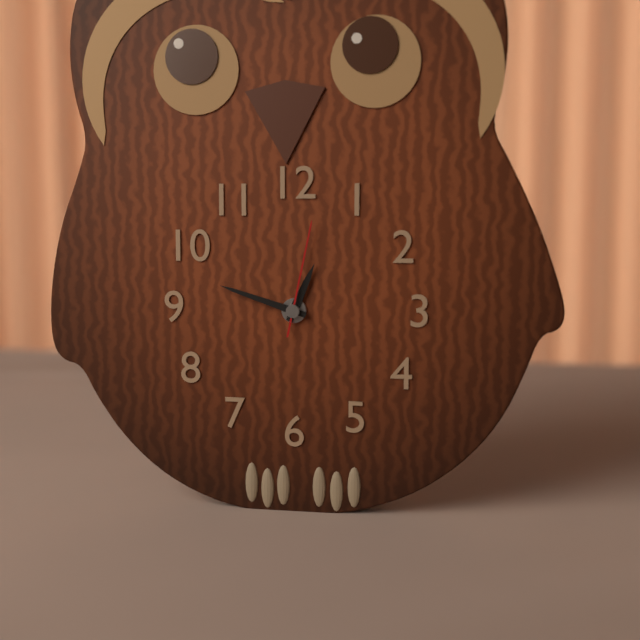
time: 12:48:02
